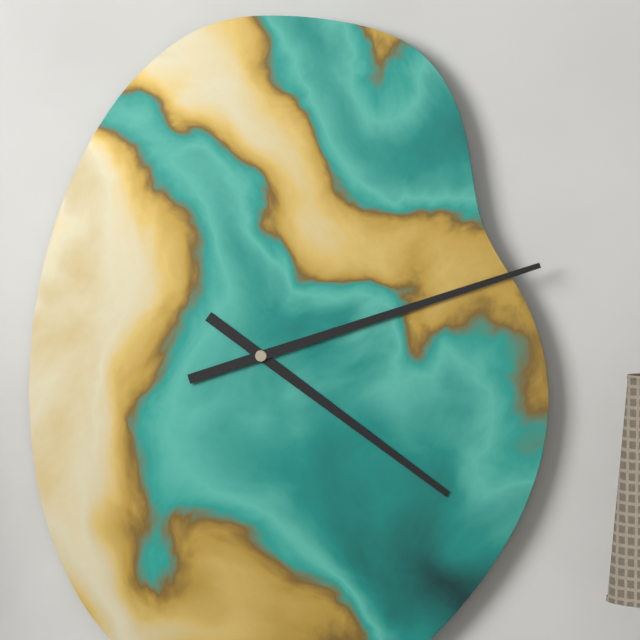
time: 4:12
